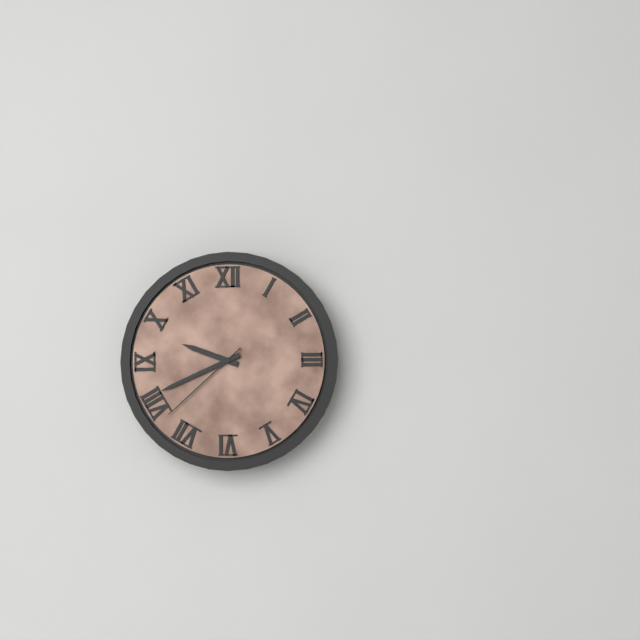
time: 9:41:38
